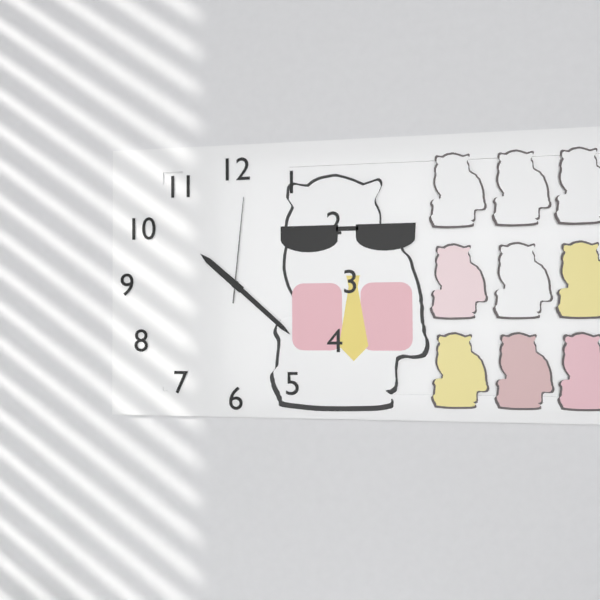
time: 10:22:01
